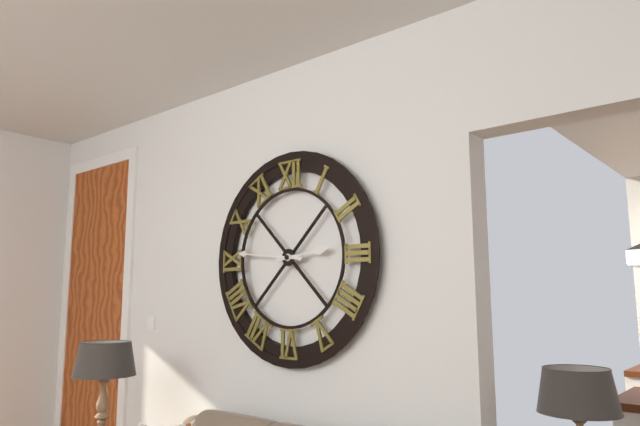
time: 2:46
